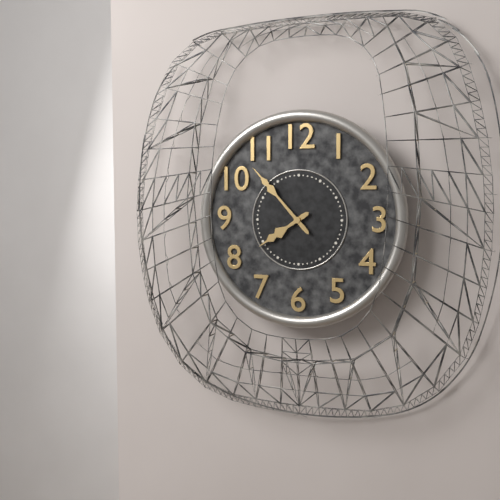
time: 7:53
